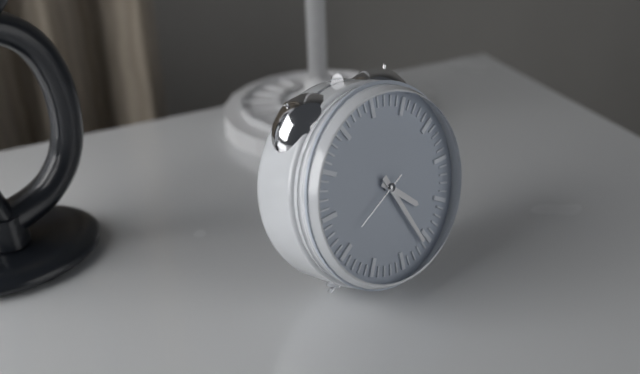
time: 4:26:41
